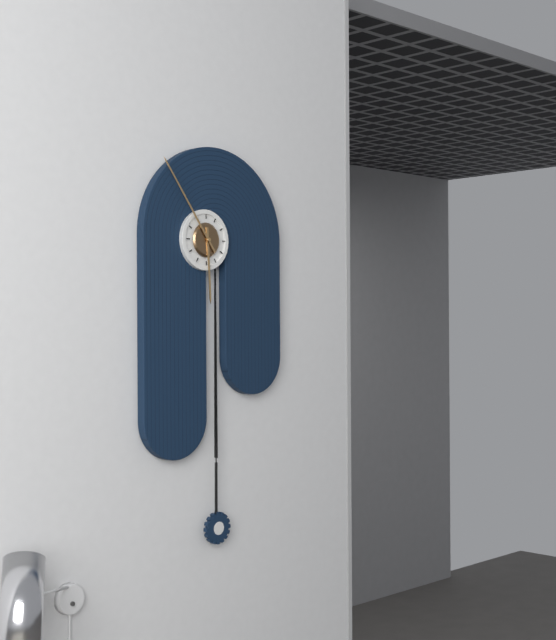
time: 5:54
